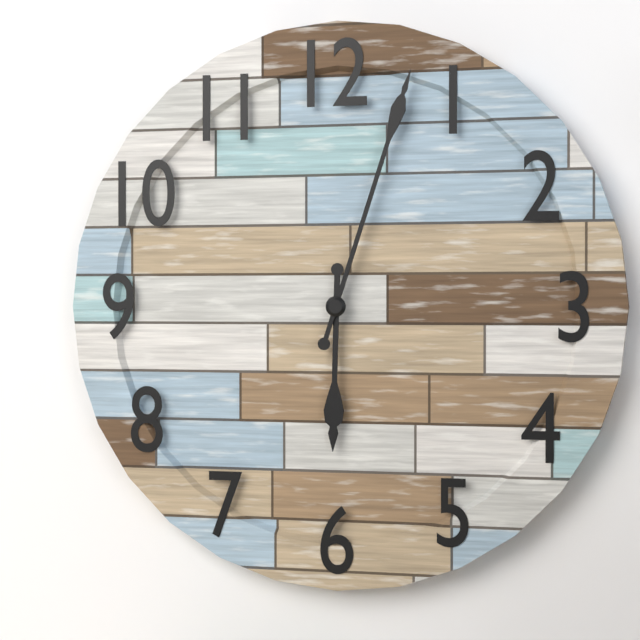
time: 6:03
